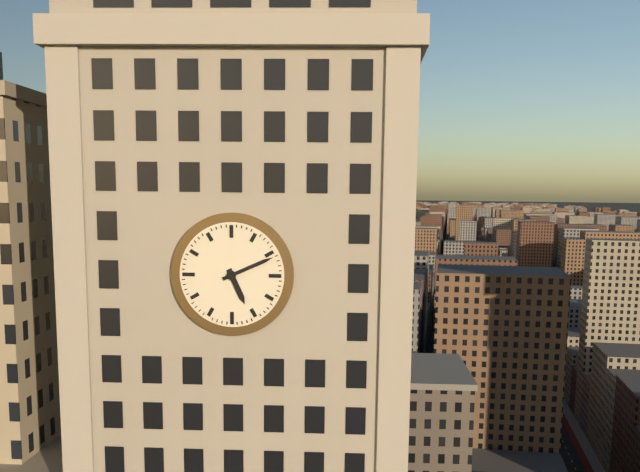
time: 5:11
